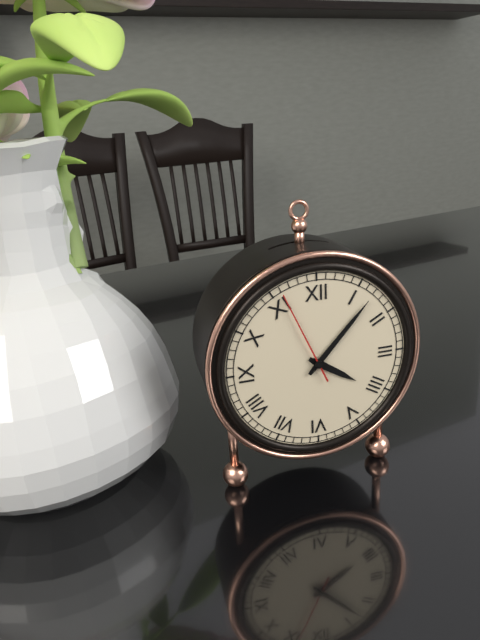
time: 4:07:56
